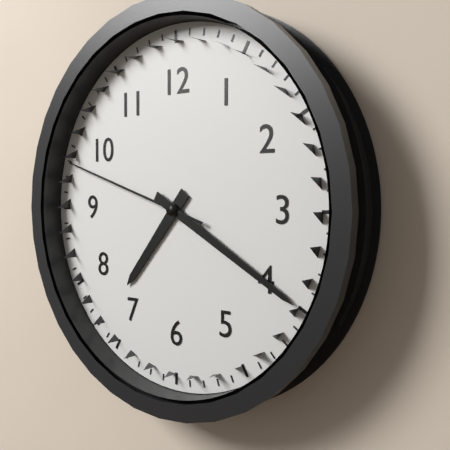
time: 7:20:48
